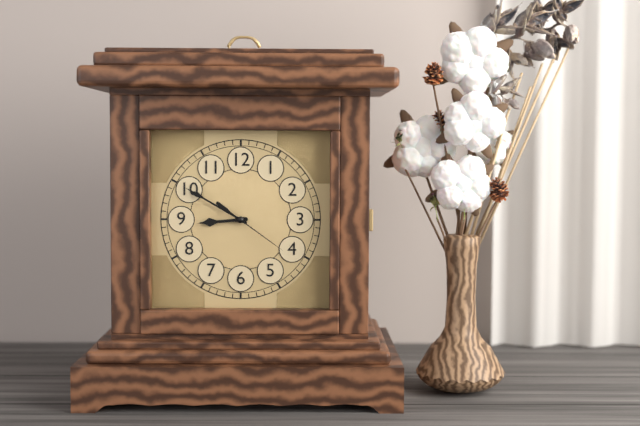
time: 8:50:21
